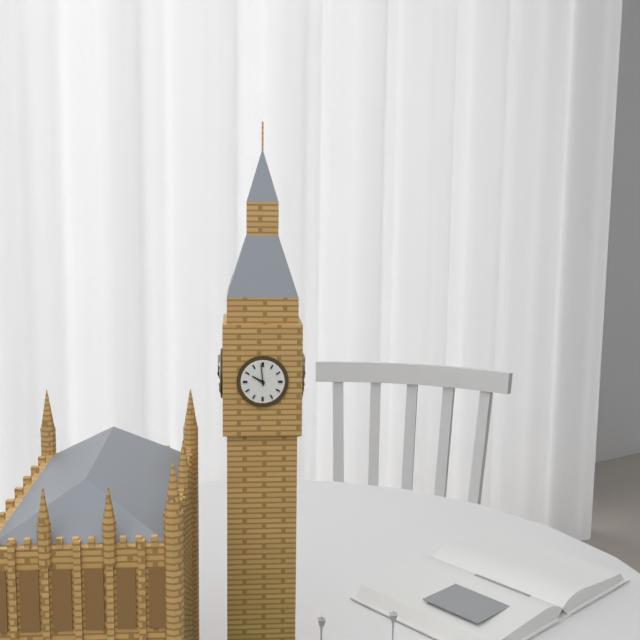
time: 9:59
